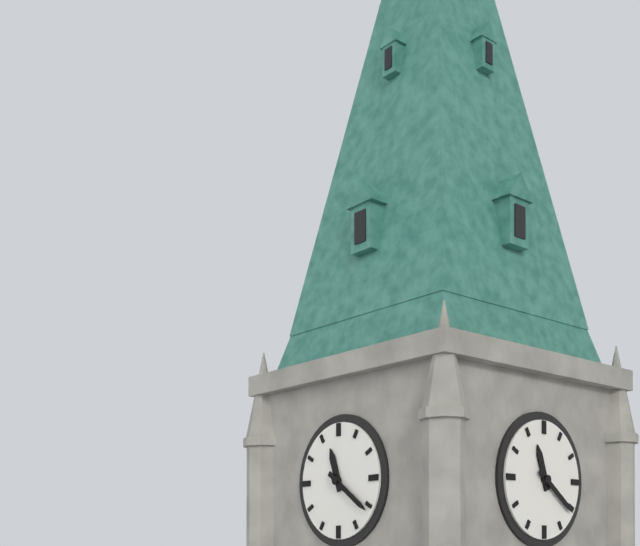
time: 11:21
